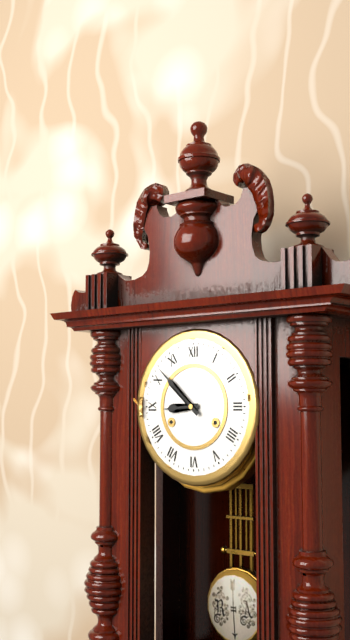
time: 8:52
